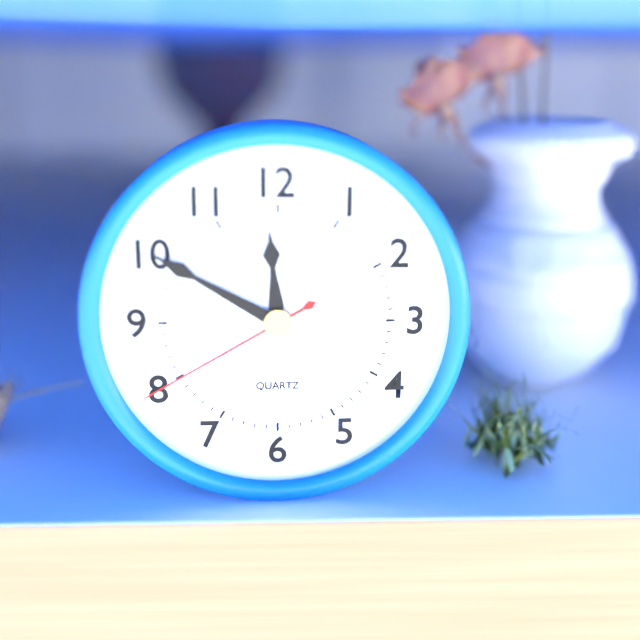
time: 11:50:40
